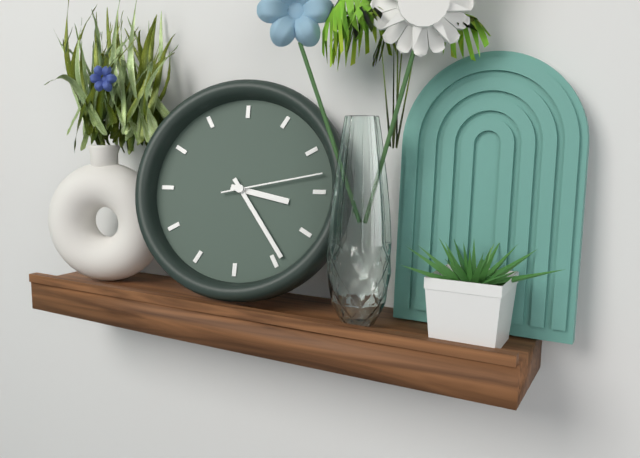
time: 3:24:13
